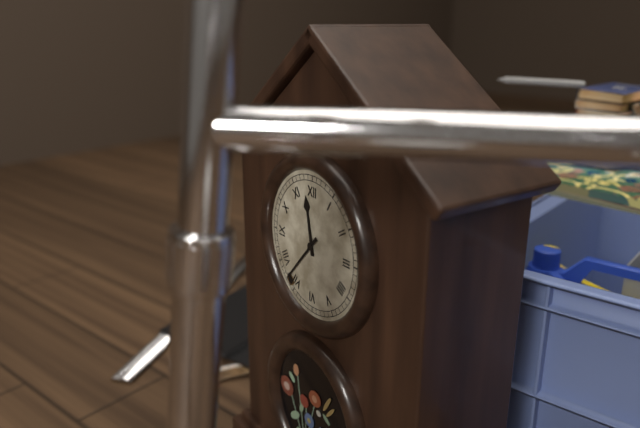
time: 11:37
